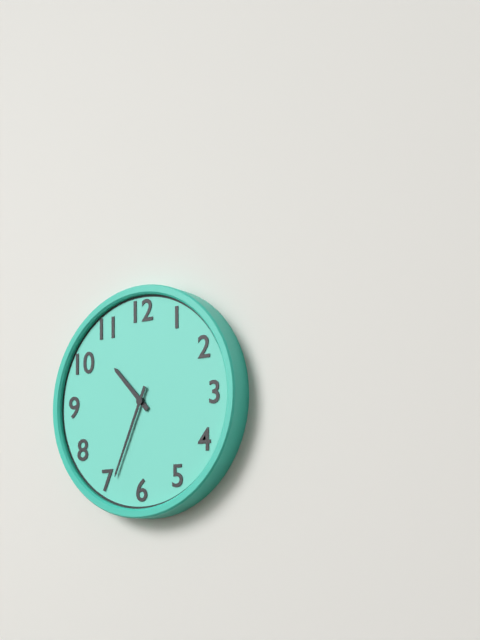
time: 10:34
